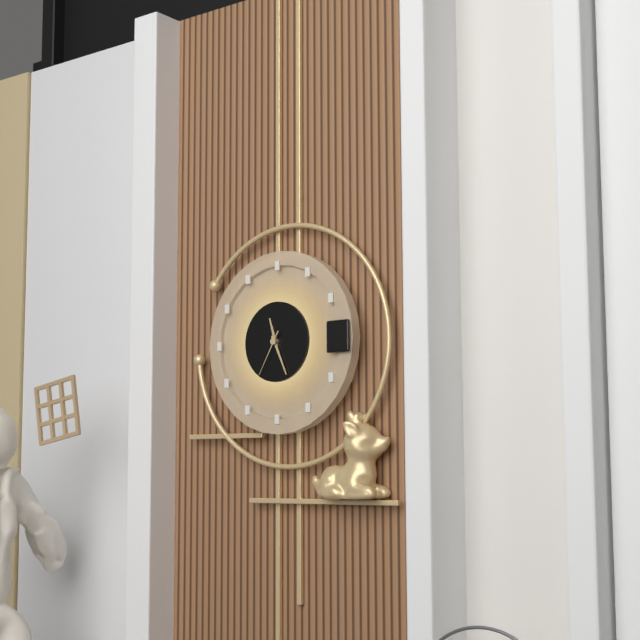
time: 11:26
